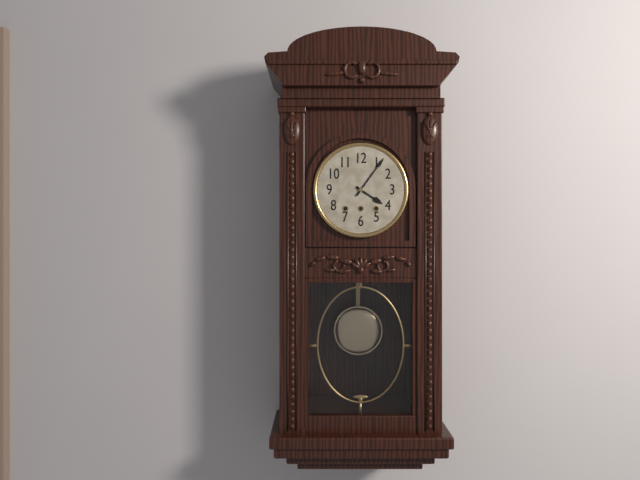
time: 4:06
